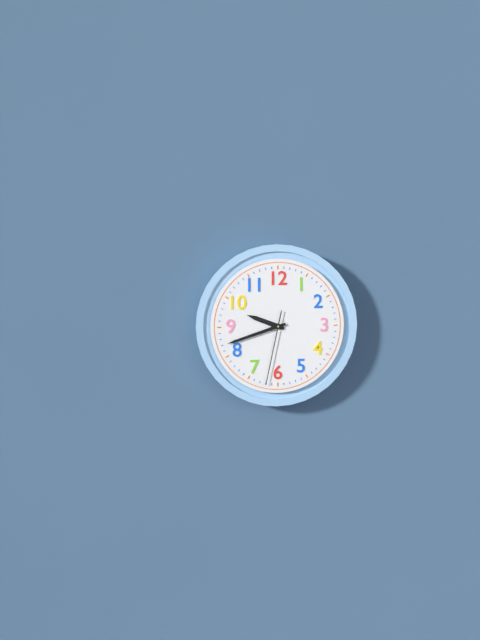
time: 9:42:32
